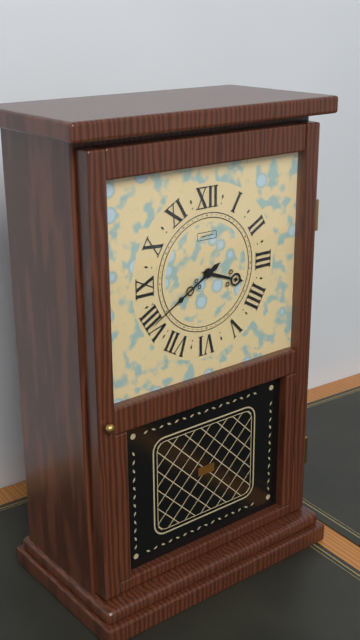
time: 3:40
